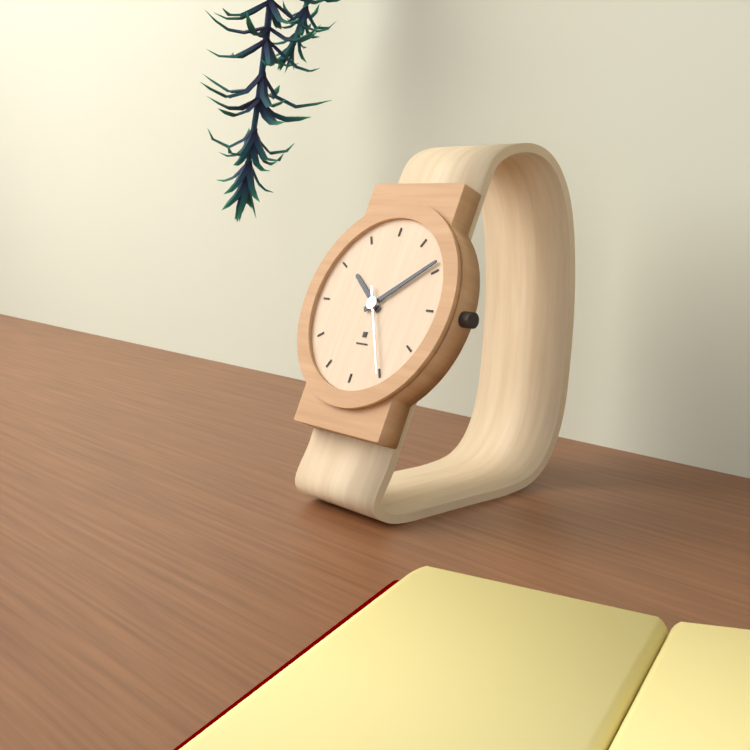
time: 10:09:25
